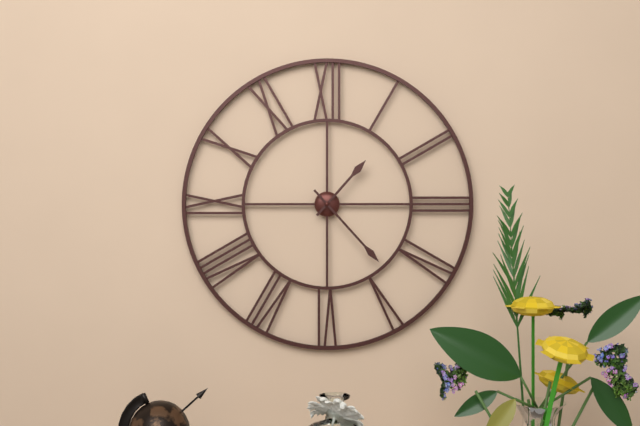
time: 1:23
